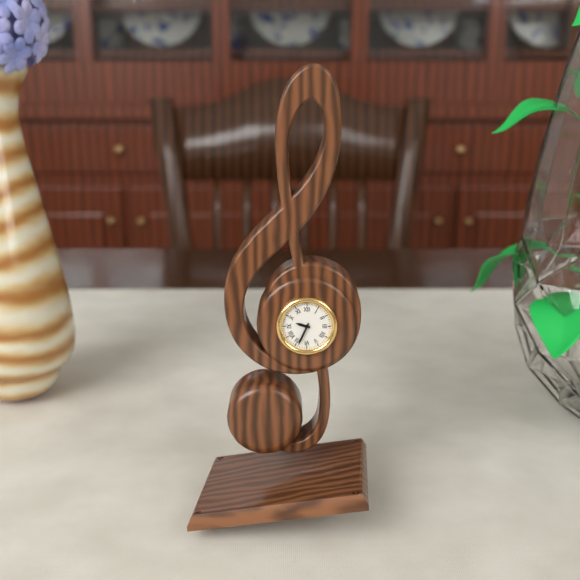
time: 9:34
